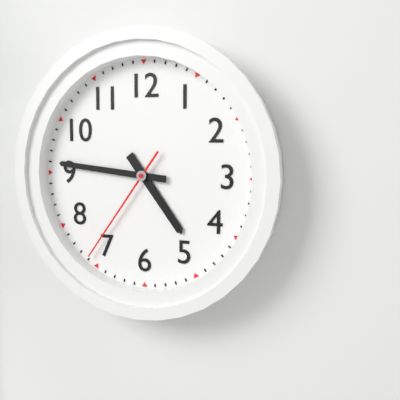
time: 4:46:36
